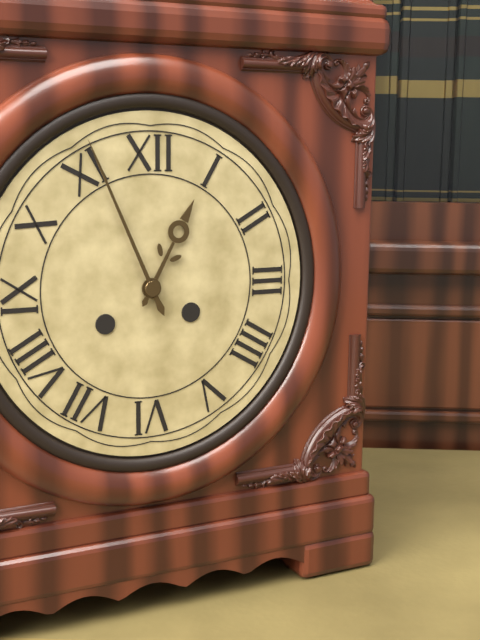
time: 12:56
